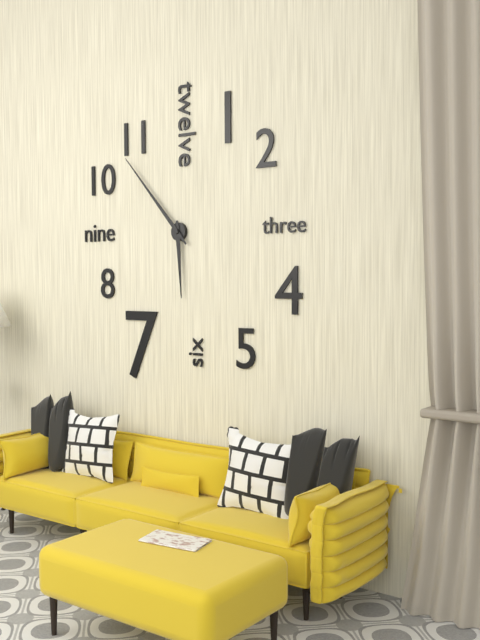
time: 5:53
